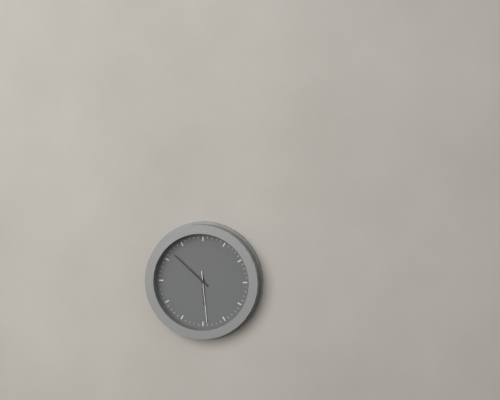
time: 5:52:29
